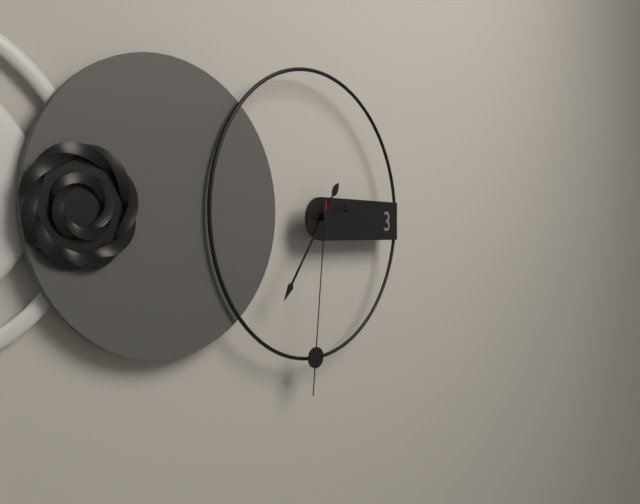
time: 2:36:31
